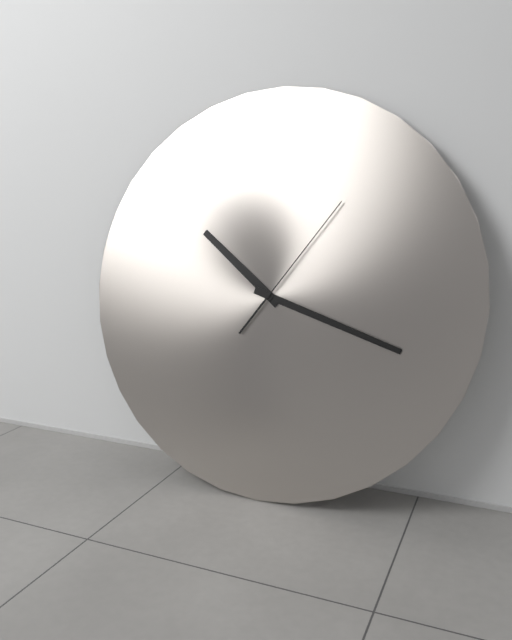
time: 10:18:06
